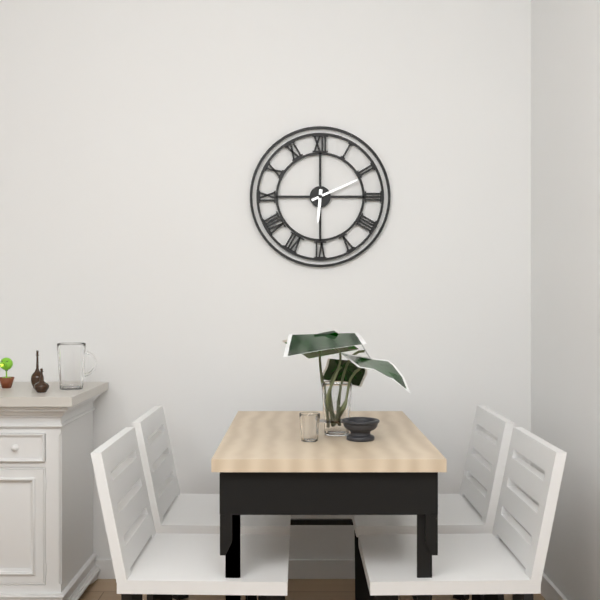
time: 6:11
